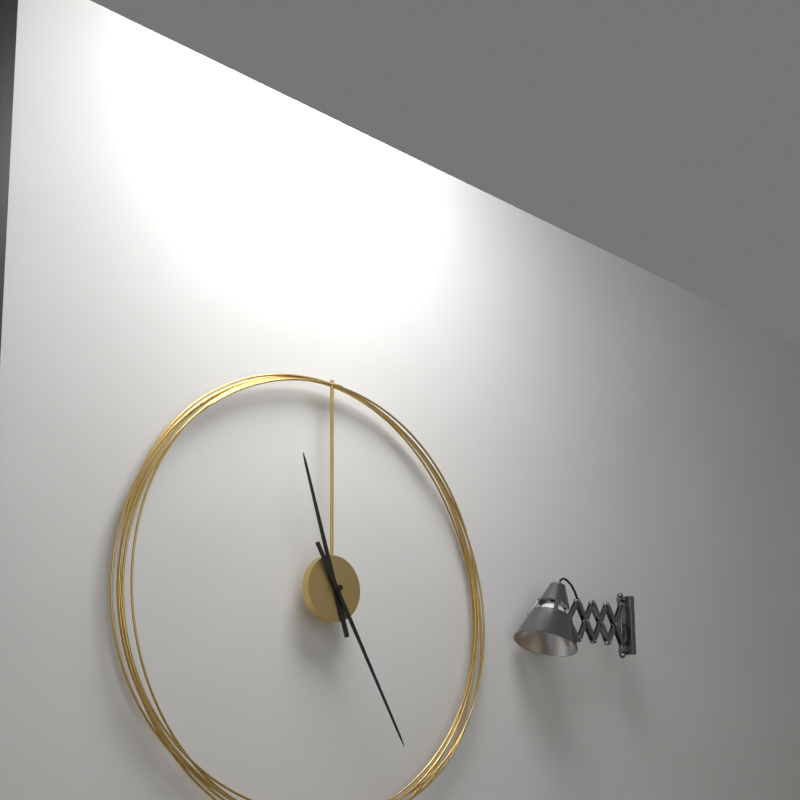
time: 11:25
